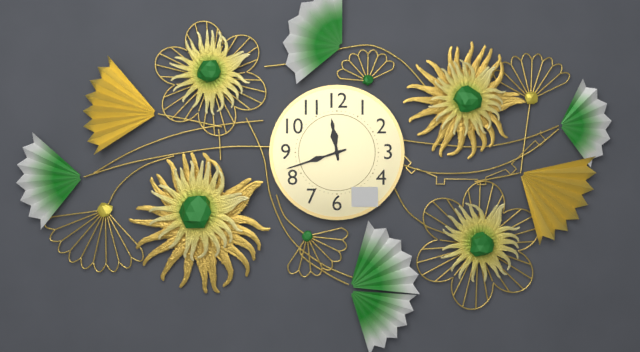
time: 11:42
